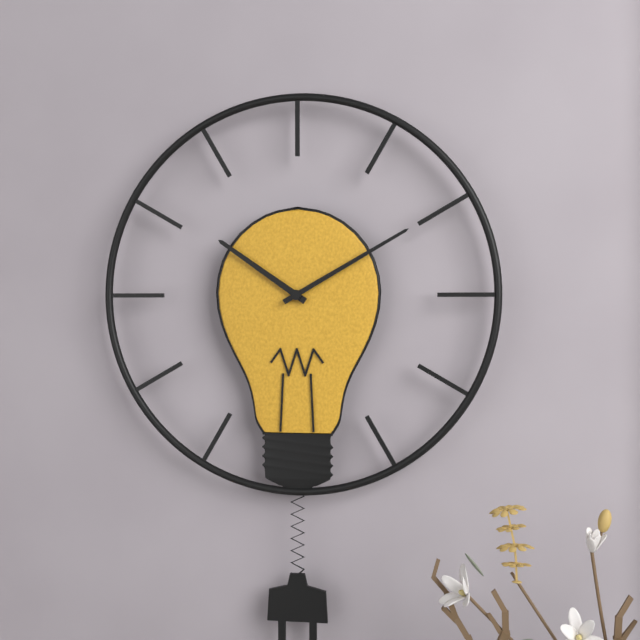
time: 10:10
